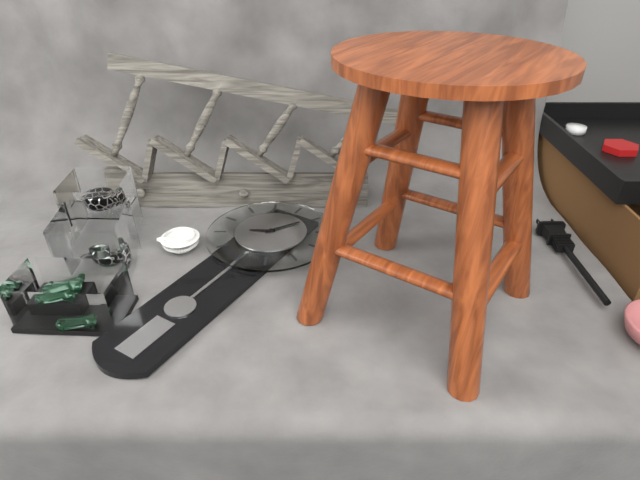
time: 8:05
